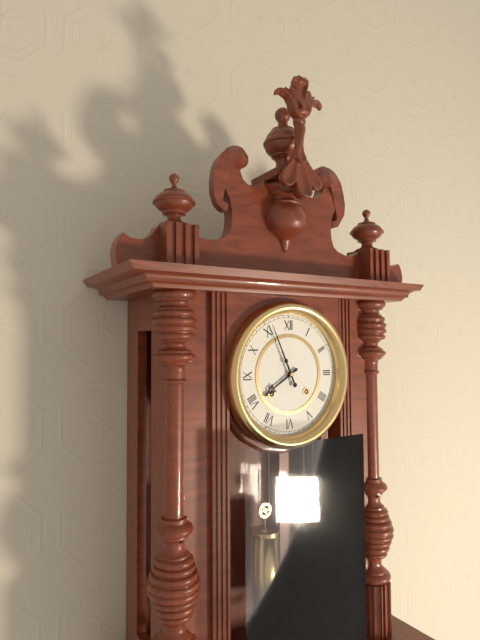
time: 7:56
